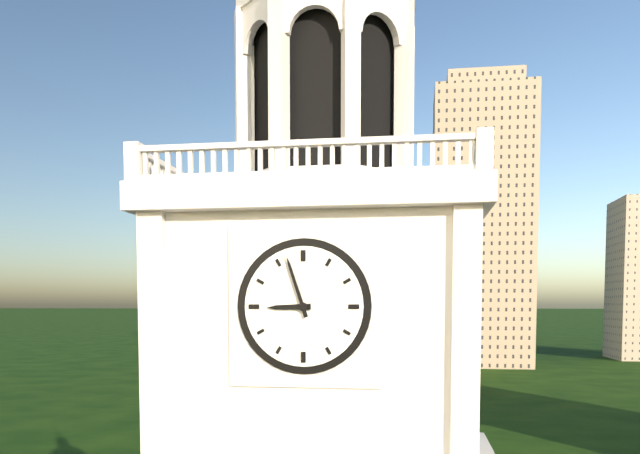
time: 8:57
